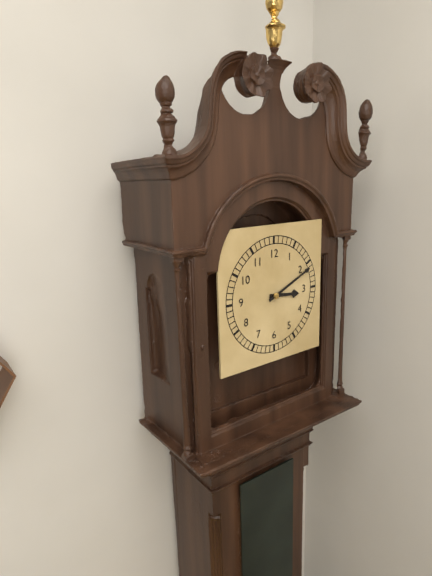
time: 3:11
